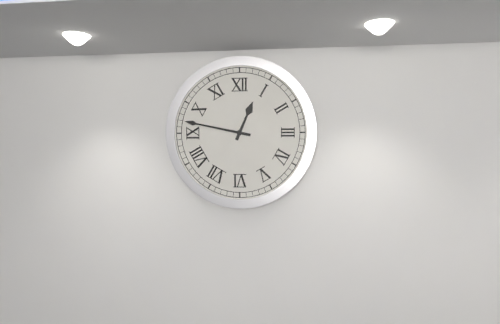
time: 12:47
